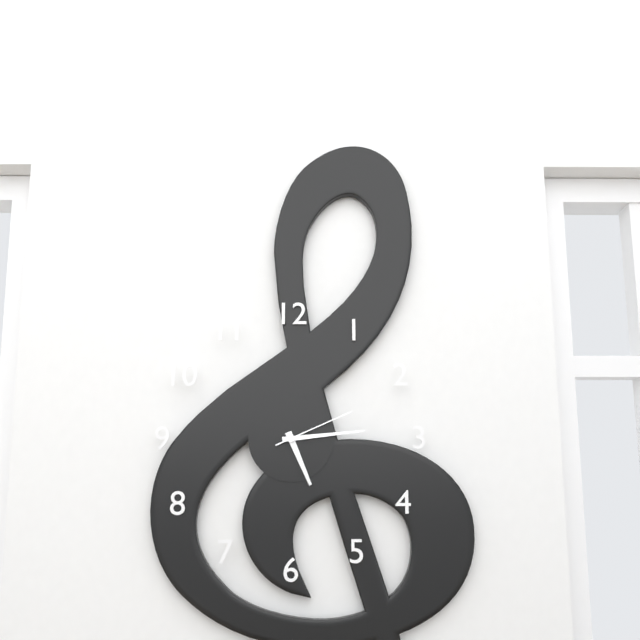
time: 5:14:11
